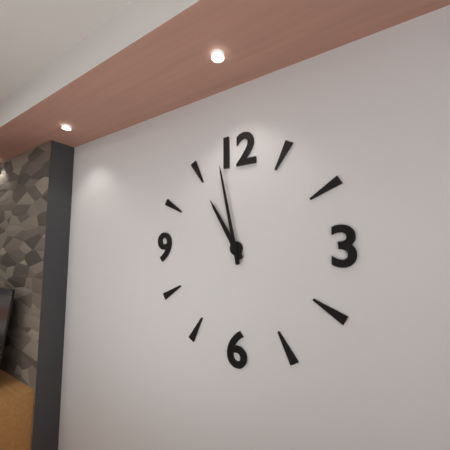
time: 10:58
